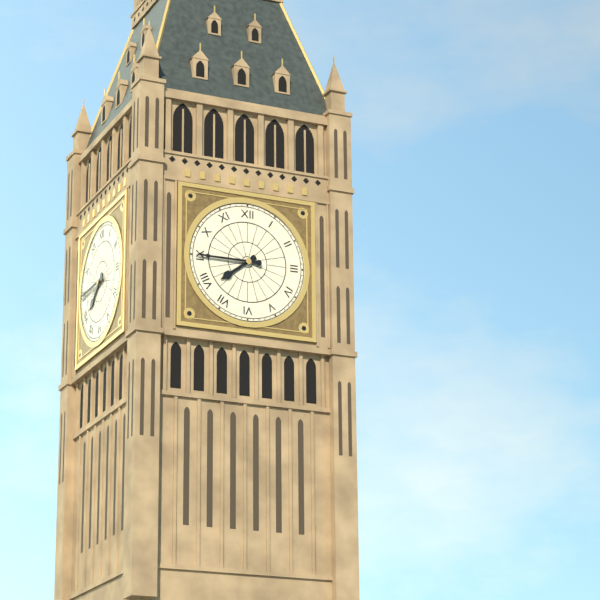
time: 7:45
